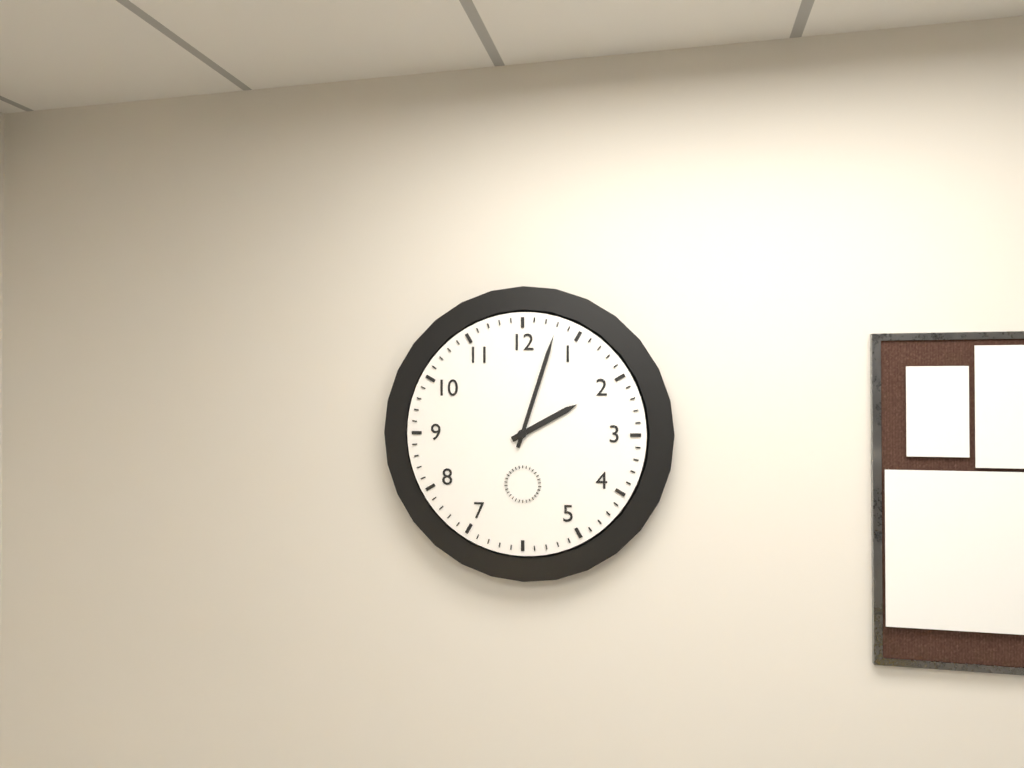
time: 2:03
